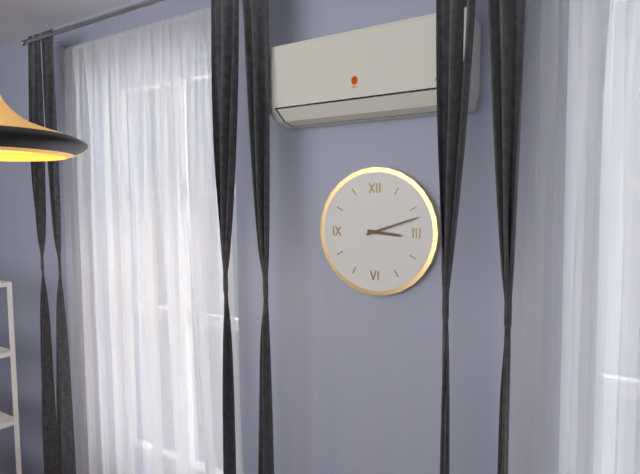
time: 3:12
